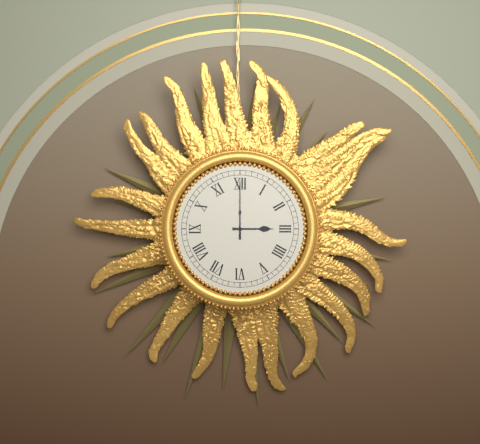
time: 3:00
